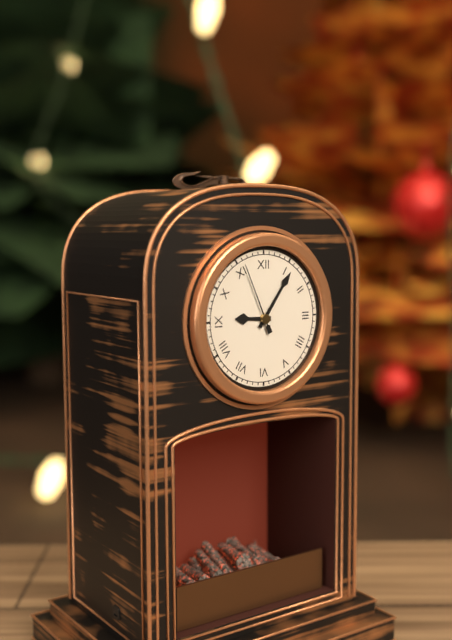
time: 9:06:56
